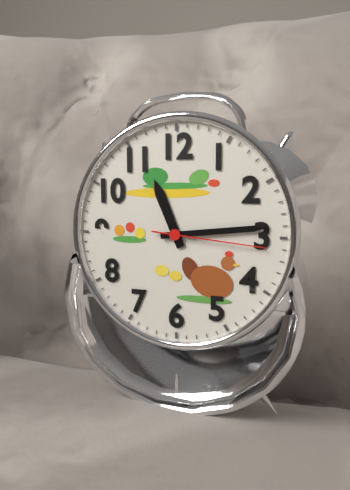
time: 11:14:16
